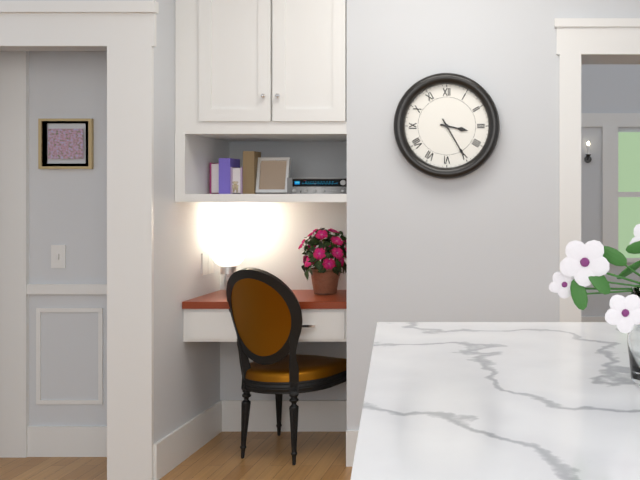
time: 3:25
